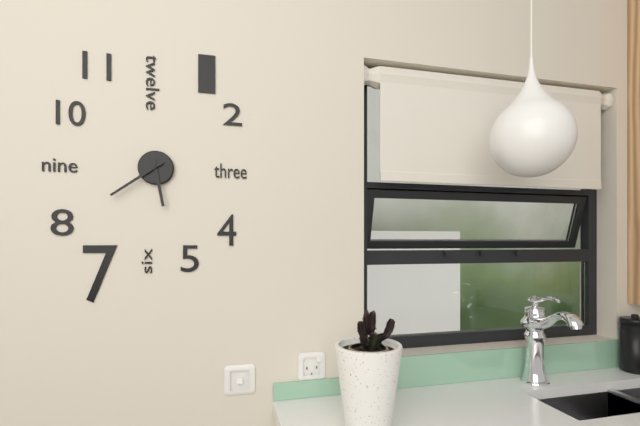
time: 5:39
